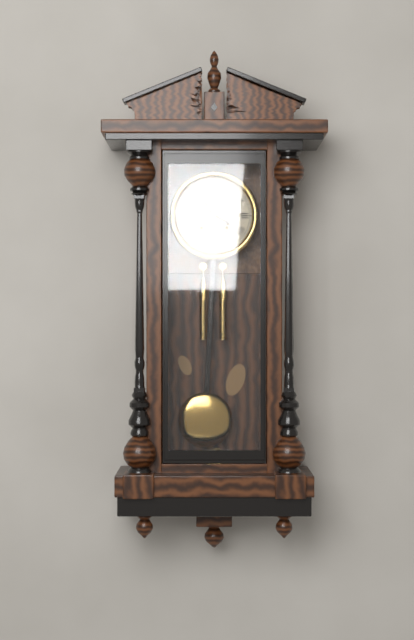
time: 3:54
